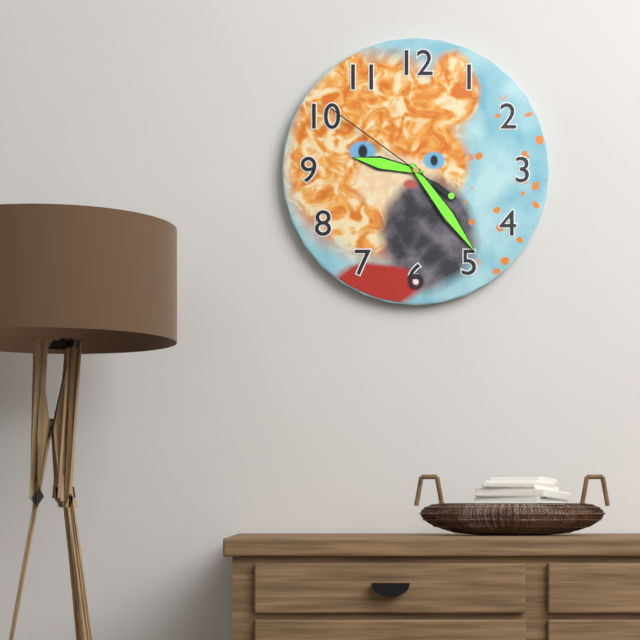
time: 9:24:51
